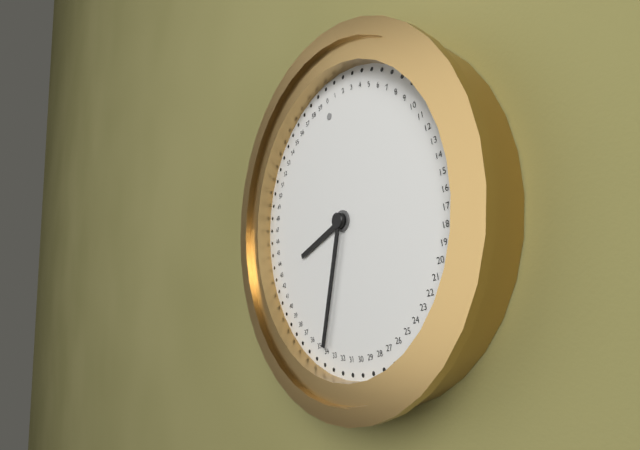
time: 8:34
